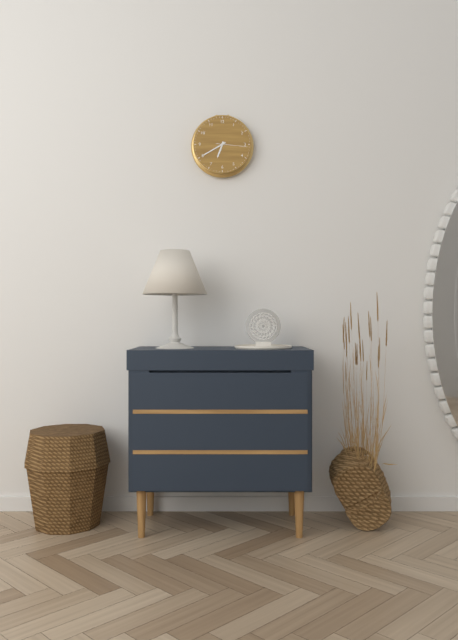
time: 6:40
